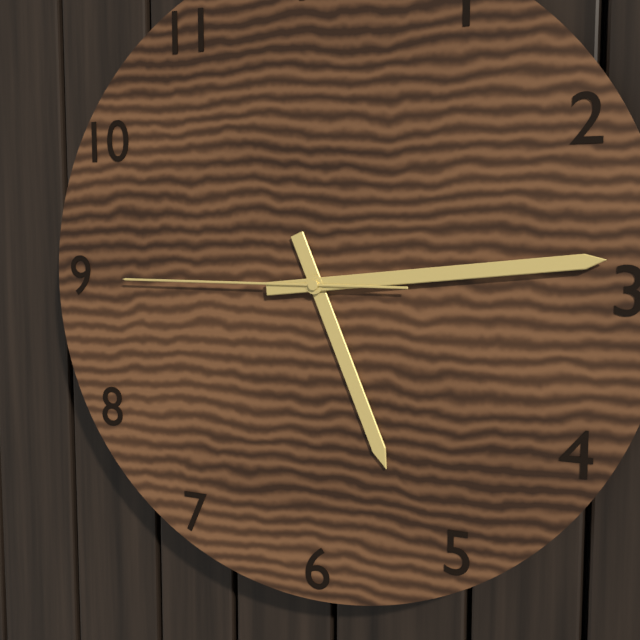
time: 5:14:45
